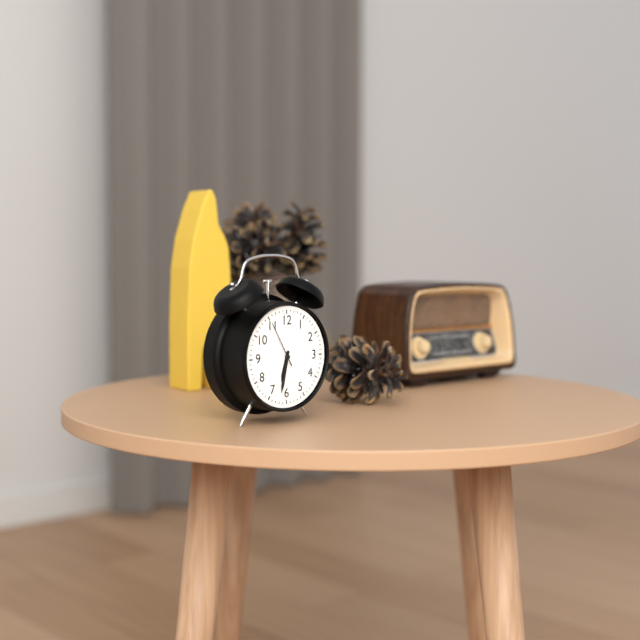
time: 6:32
